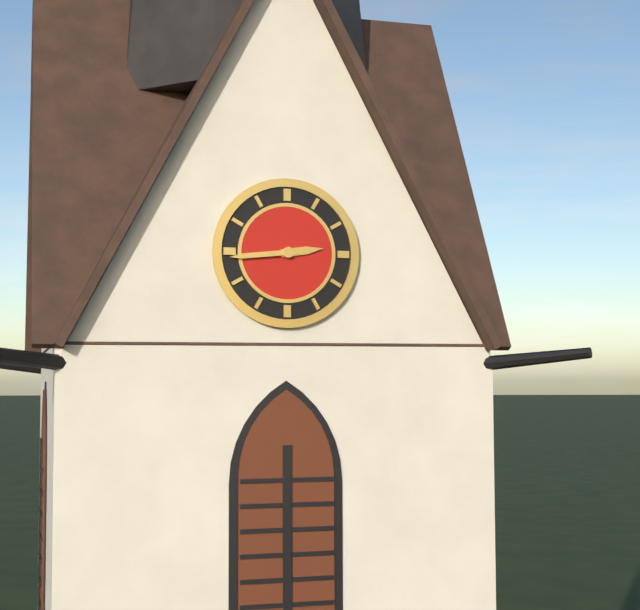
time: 2:44
